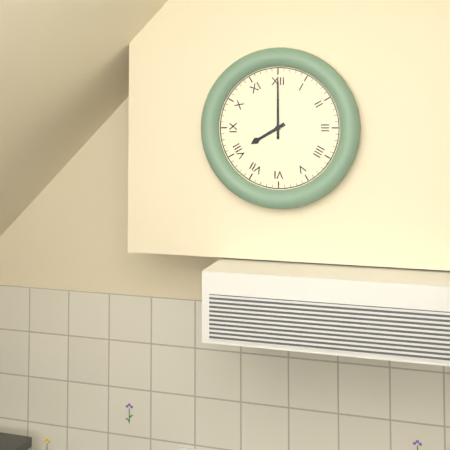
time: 8:00
